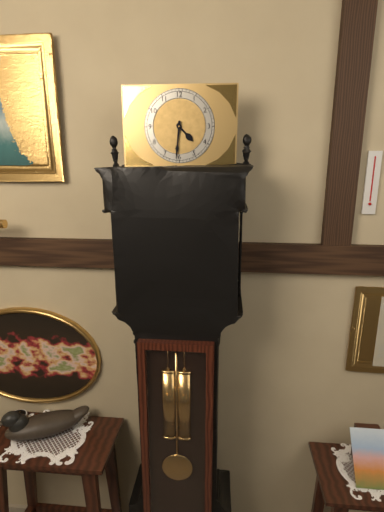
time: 4:31
